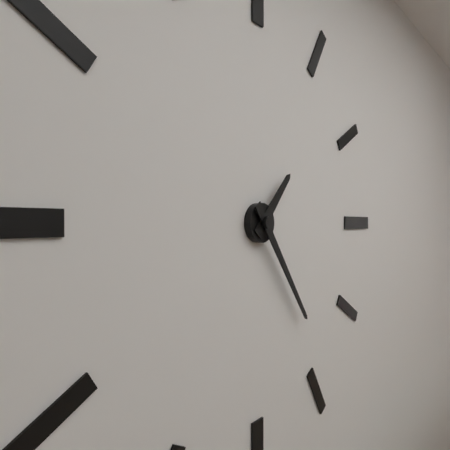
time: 1:24
